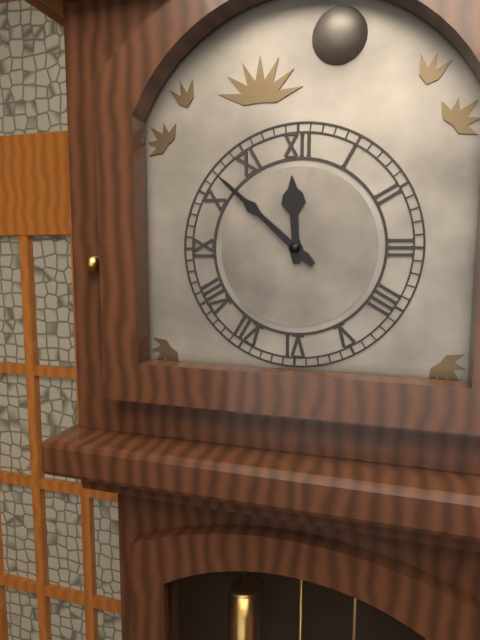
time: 11:52
